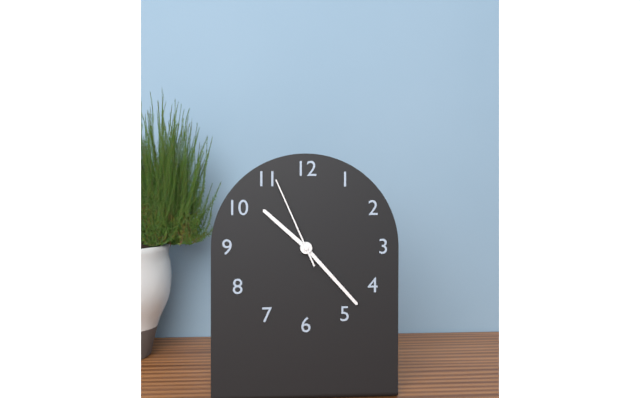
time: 10:23:56
